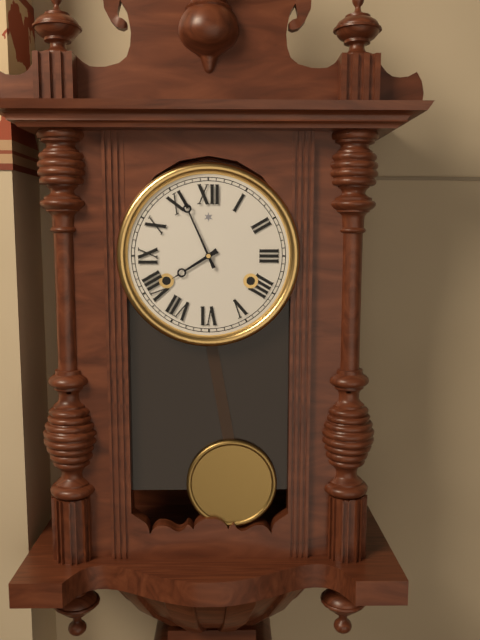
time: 7:56
